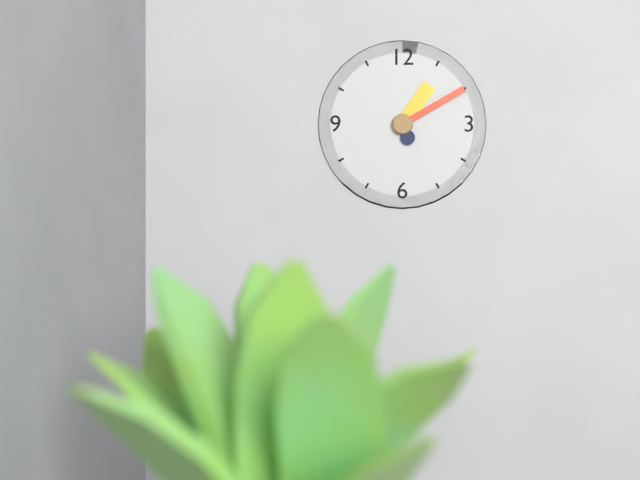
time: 1:10
